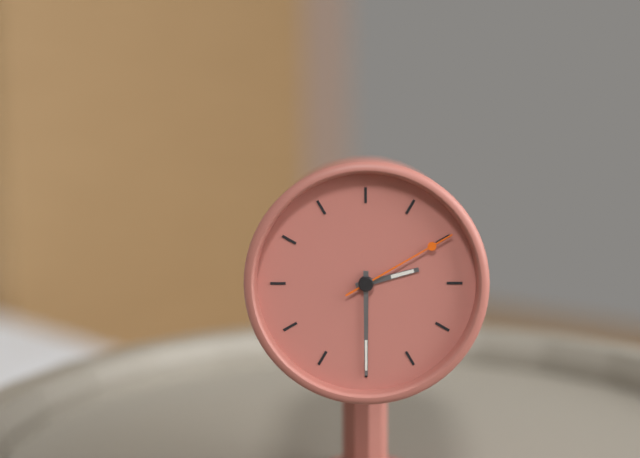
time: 2:30:10
